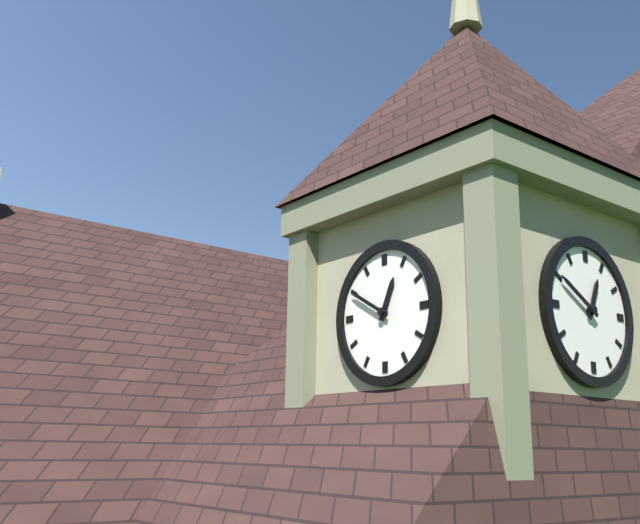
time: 12:50
